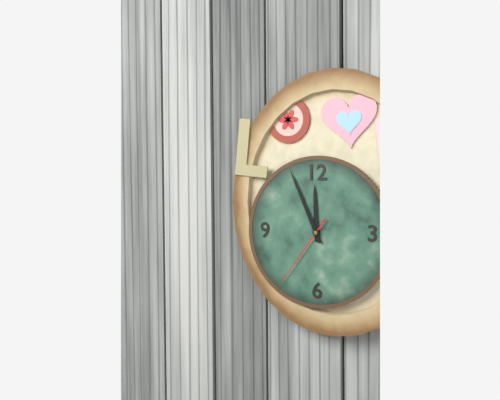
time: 11:56:36
